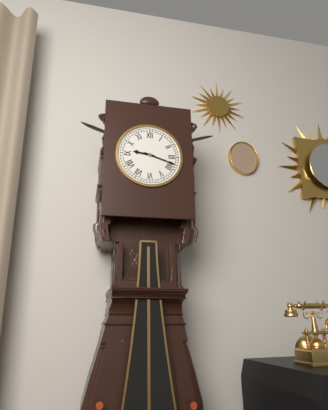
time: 9:18
